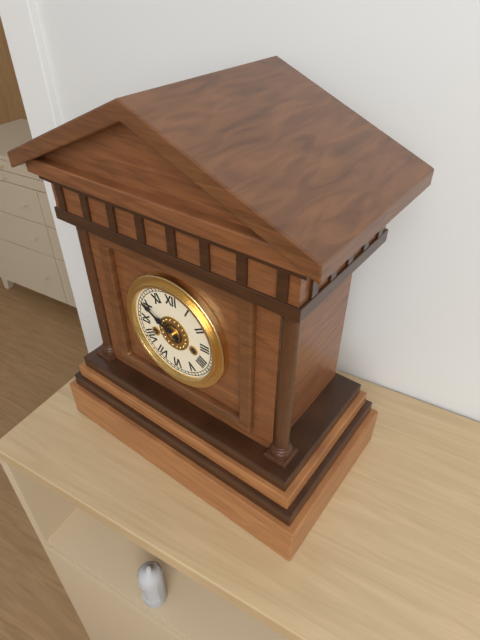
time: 9:50
